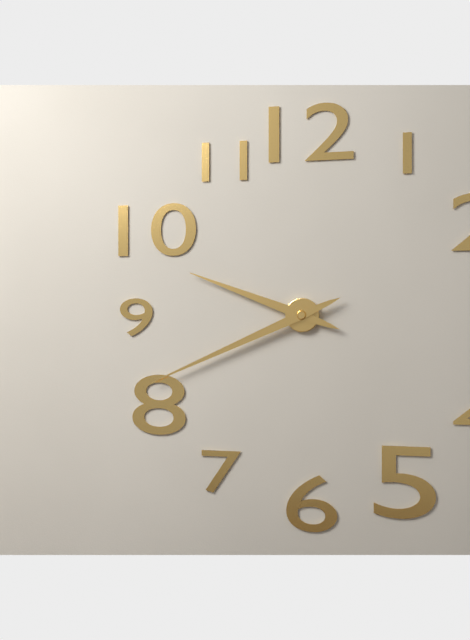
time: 9:41
